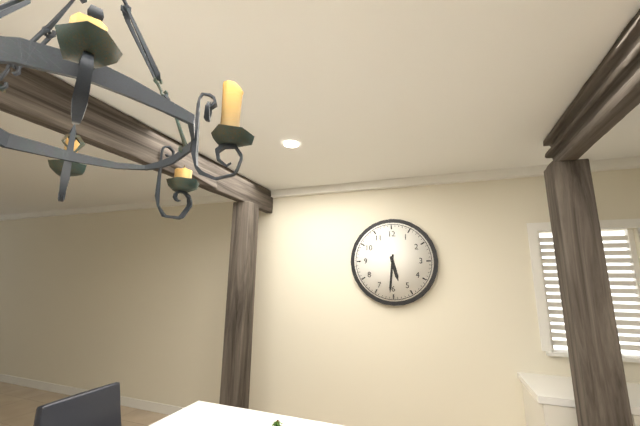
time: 5:31
